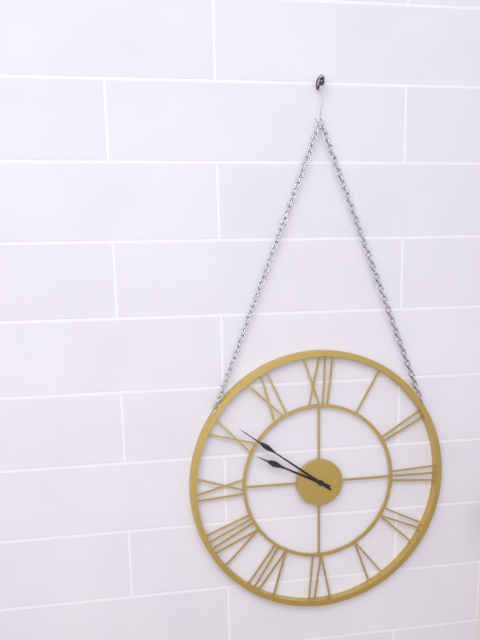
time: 9:51
